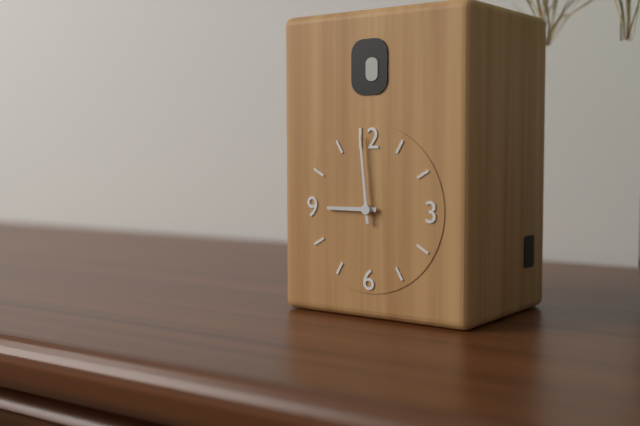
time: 8:59
